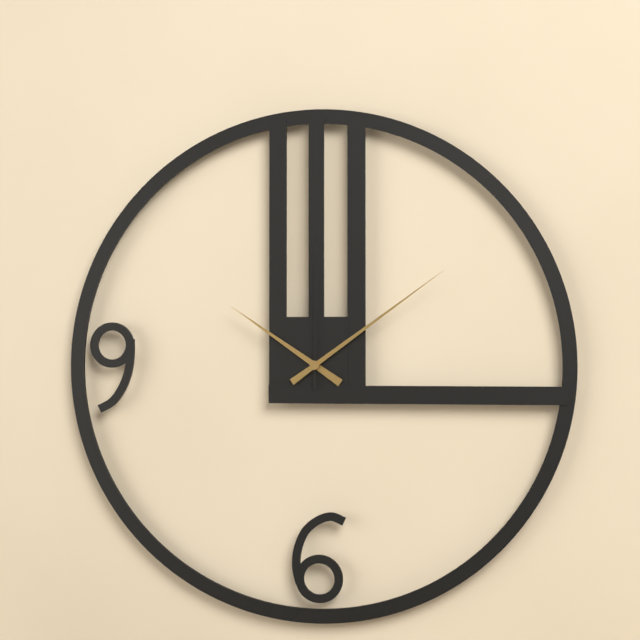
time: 10:09:00
